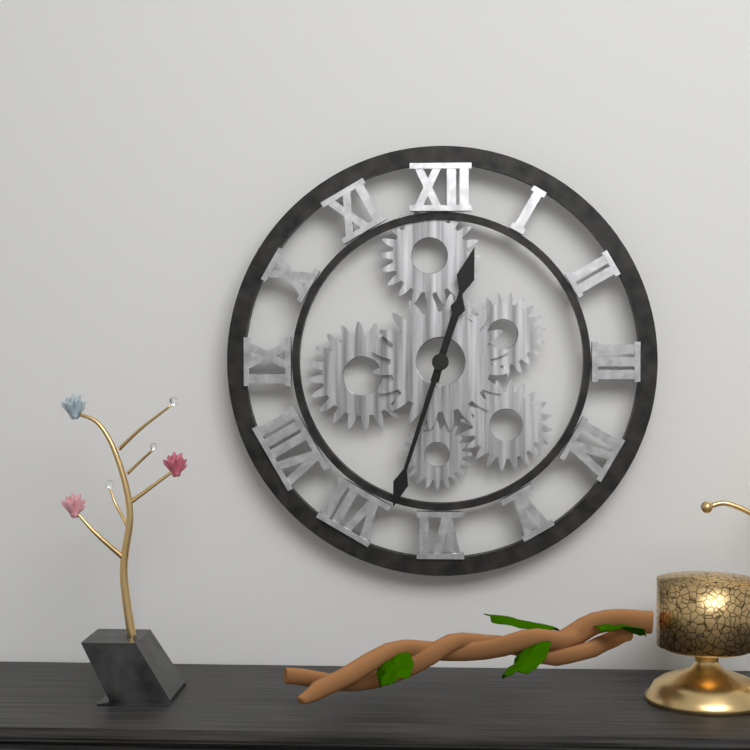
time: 12:33
